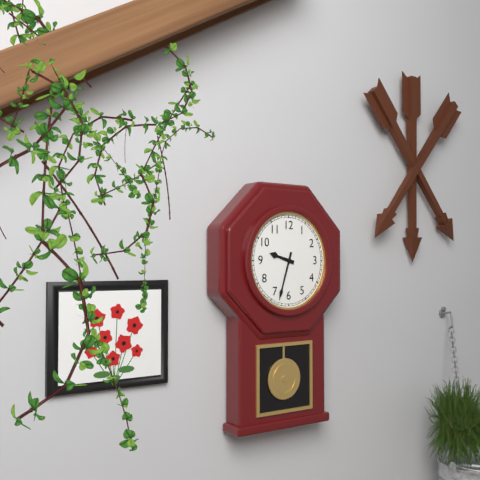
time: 9:33
